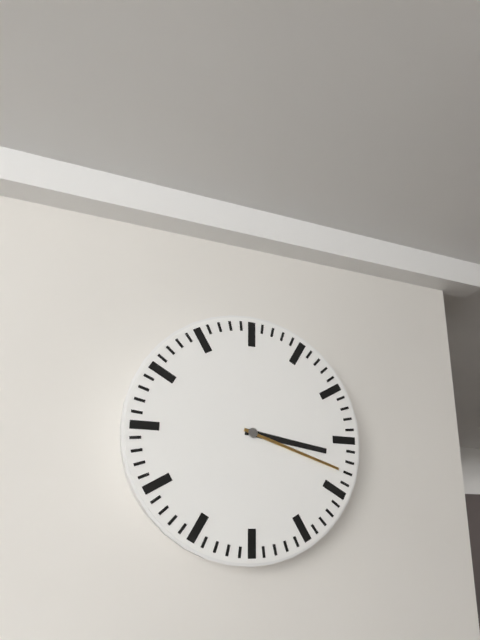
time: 3:18
